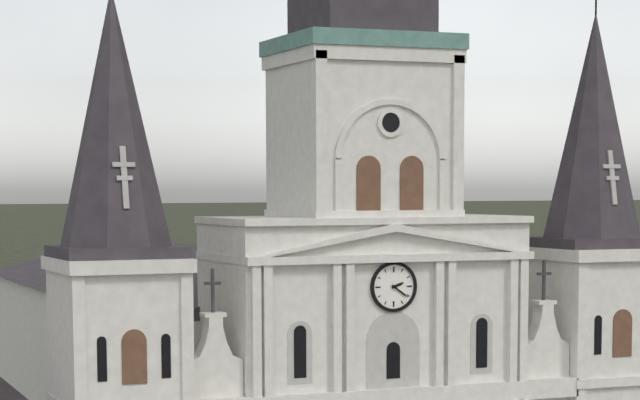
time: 2:21
